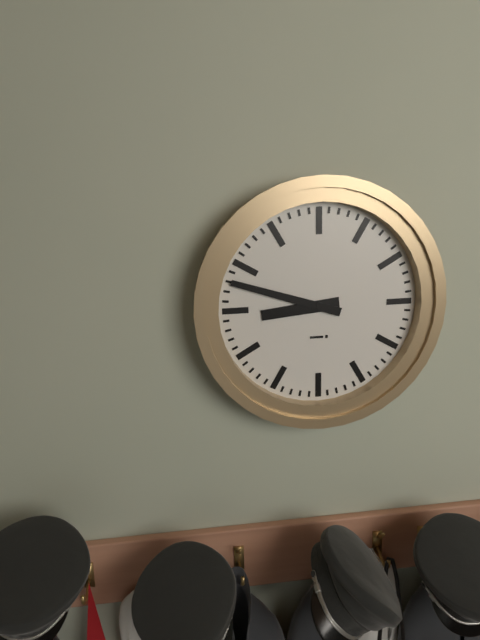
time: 8:48
